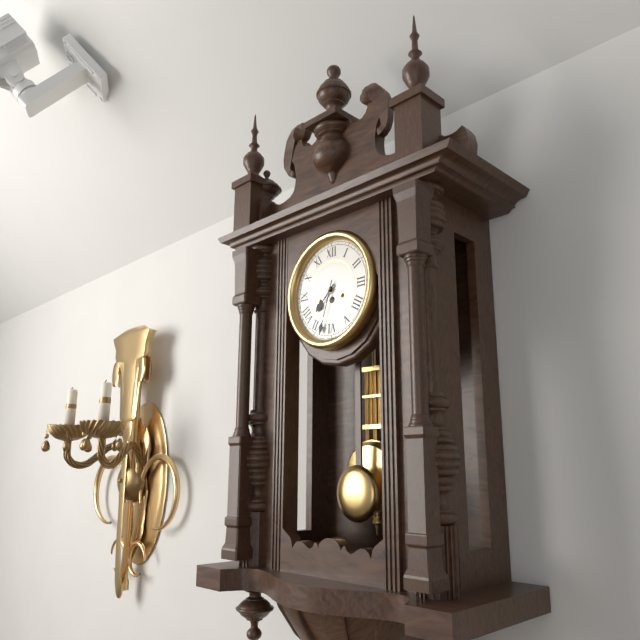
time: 7:33
